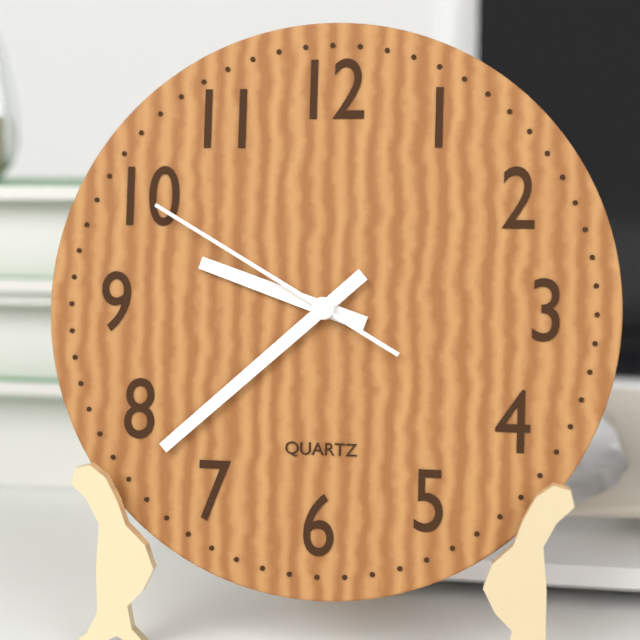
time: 9:38:50
